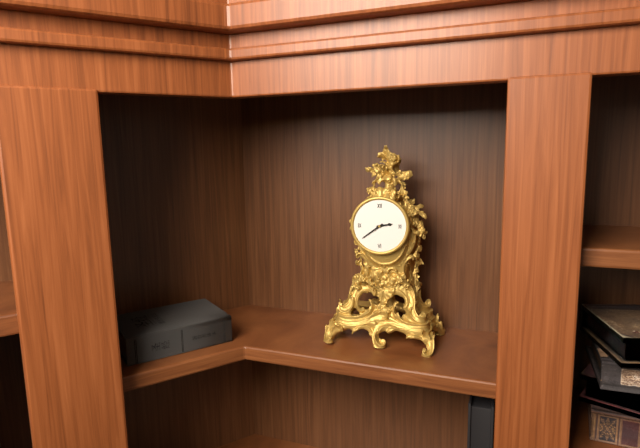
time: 2:39
